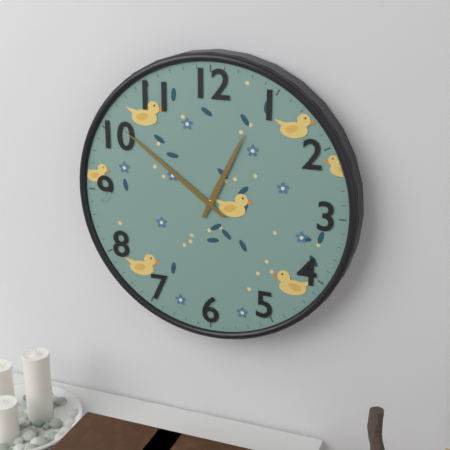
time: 12:51
